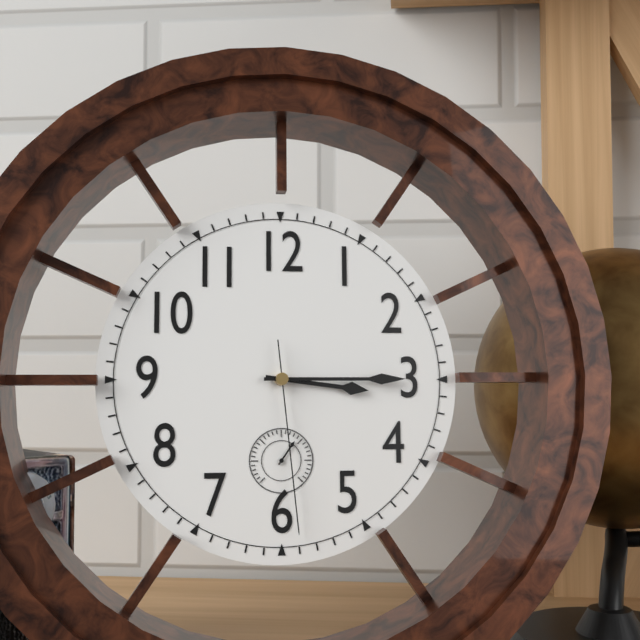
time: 3:15:29
